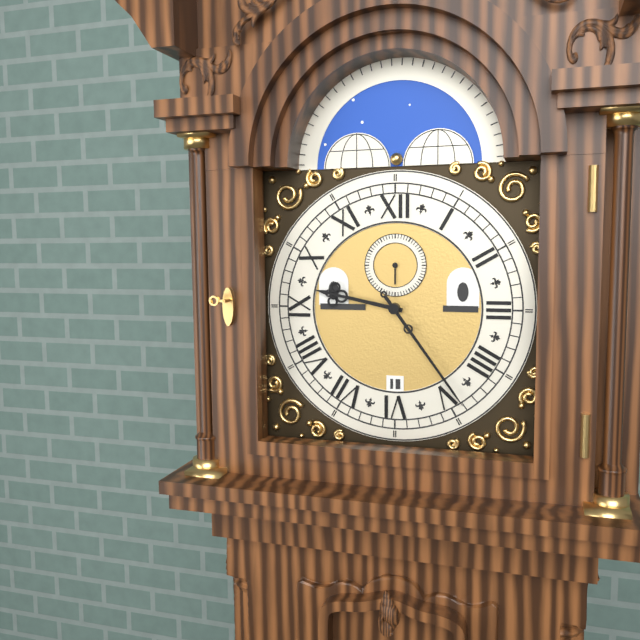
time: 9:24
